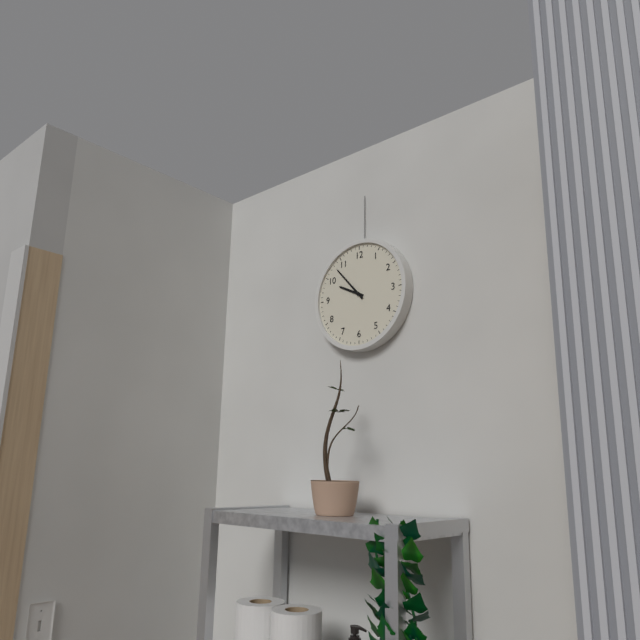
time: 9:53
